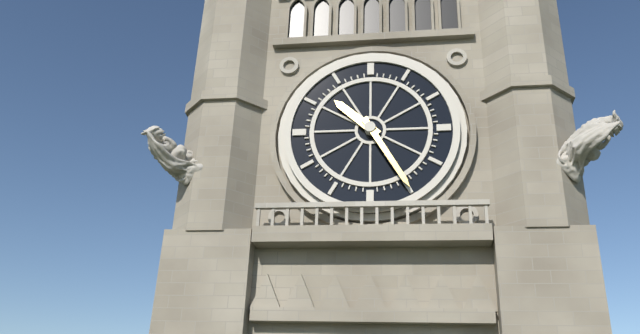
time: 10:25
